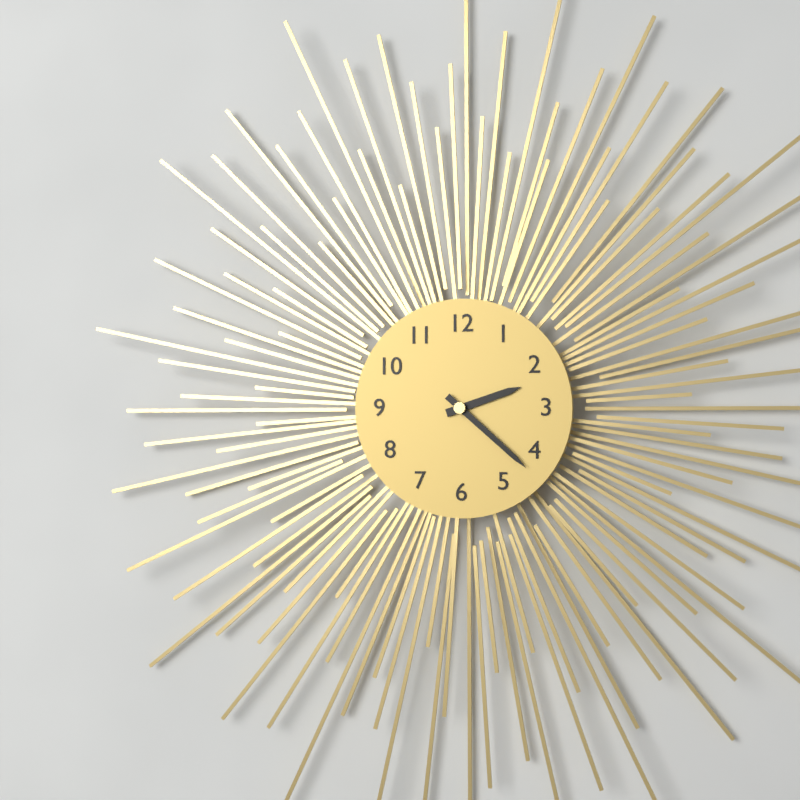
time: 2:22
